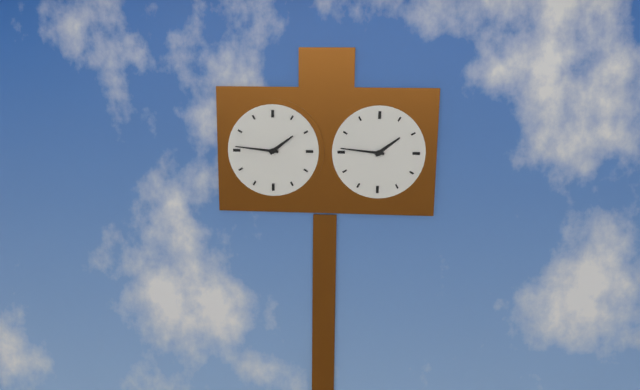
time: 1:46
